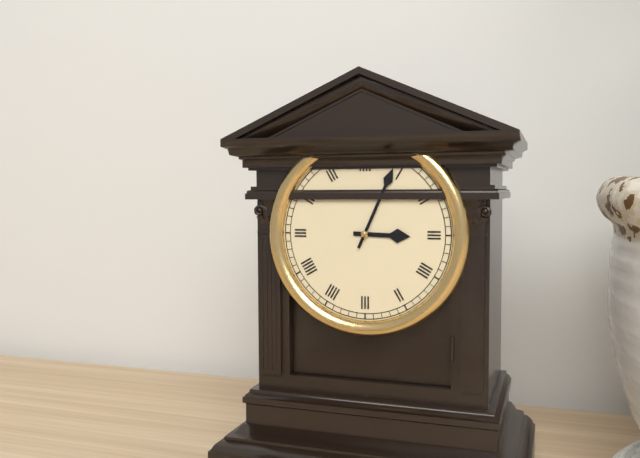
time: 3:04
